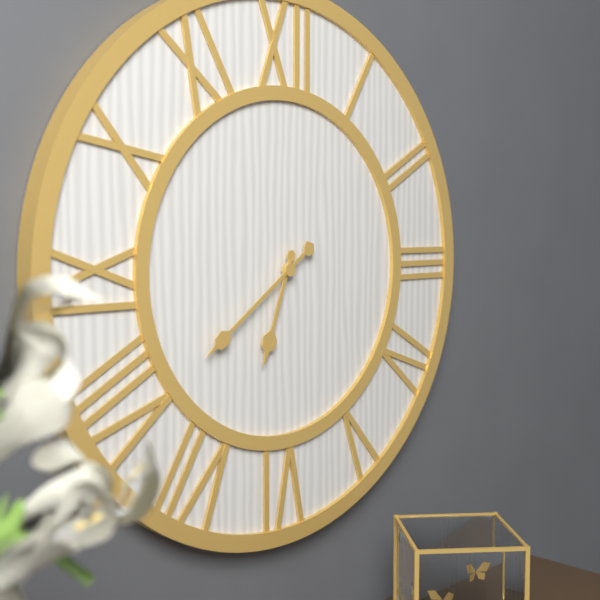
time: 6:39
